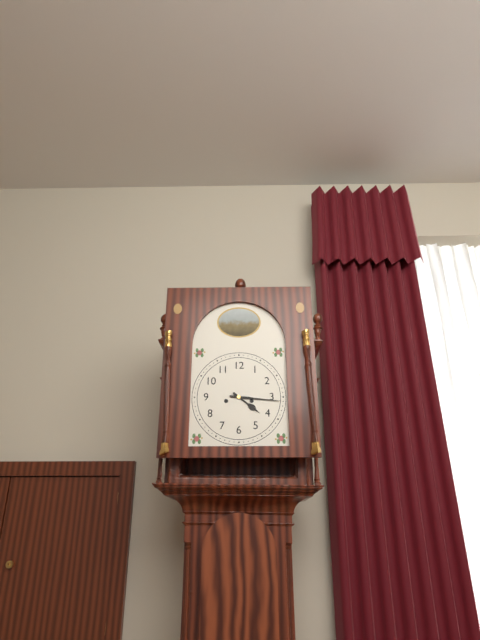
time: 4:16
